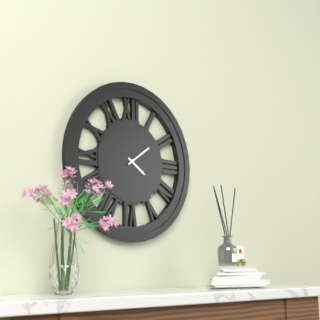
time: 4:09
